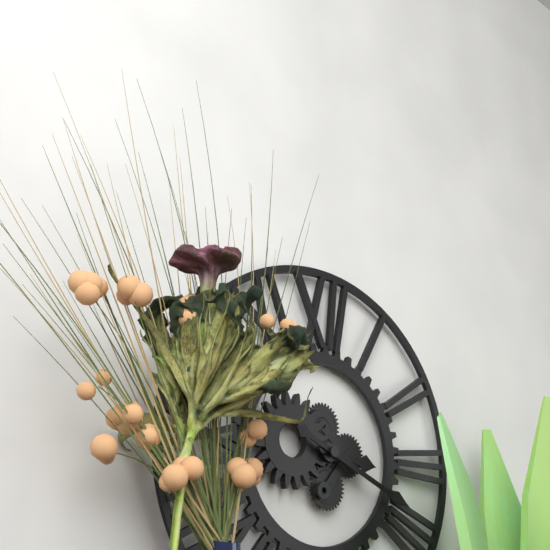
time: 3:19
